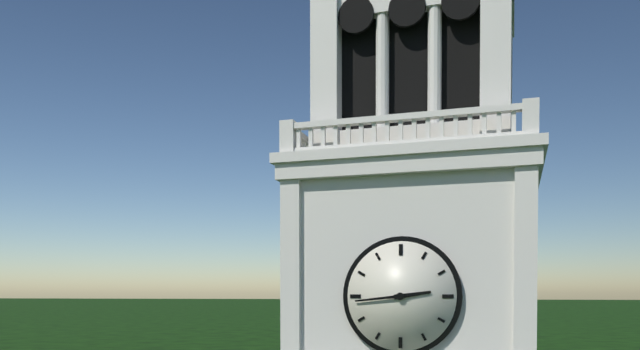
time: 2:44
